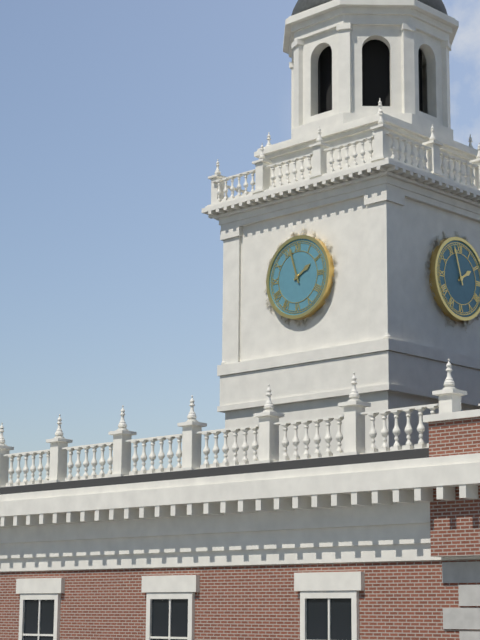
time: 1:57
